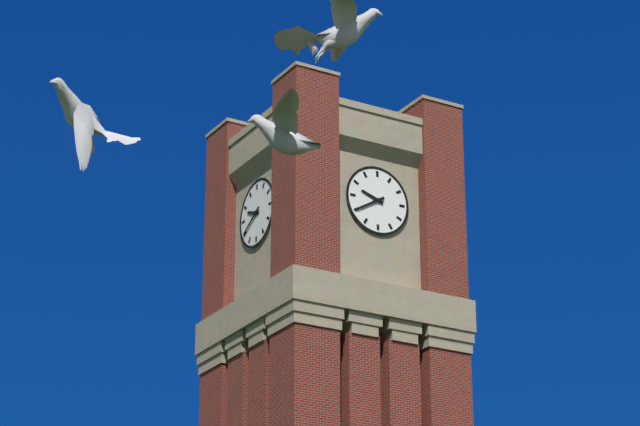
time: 9:40
